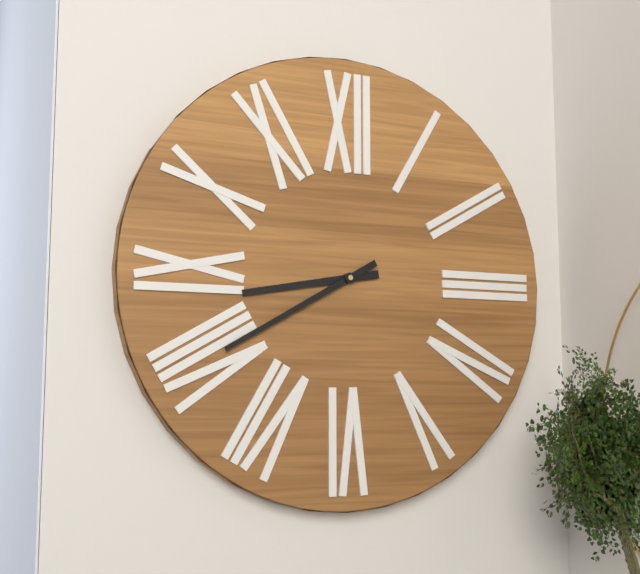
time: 8:40
